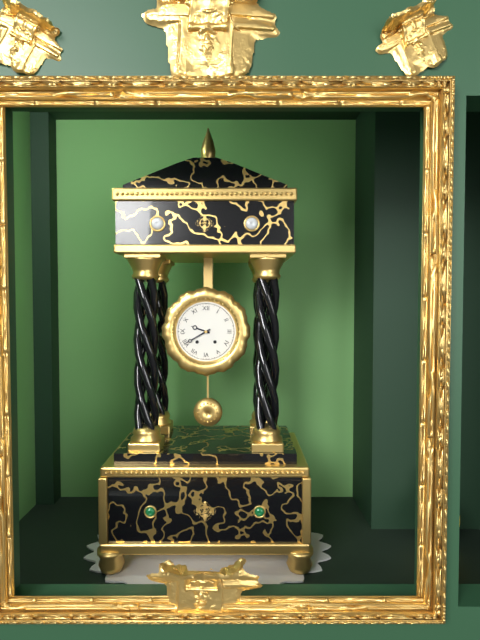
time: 9:40
